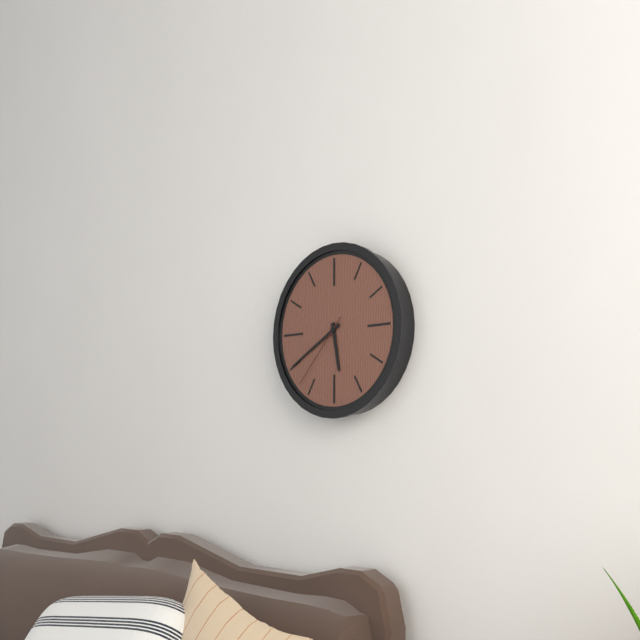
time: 5:40:37
